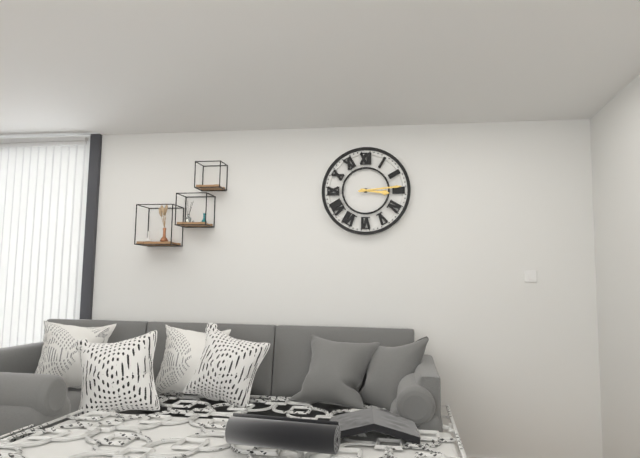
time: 3:14
